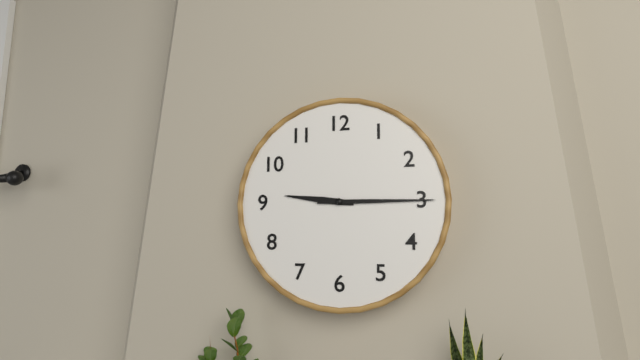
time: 9:15
